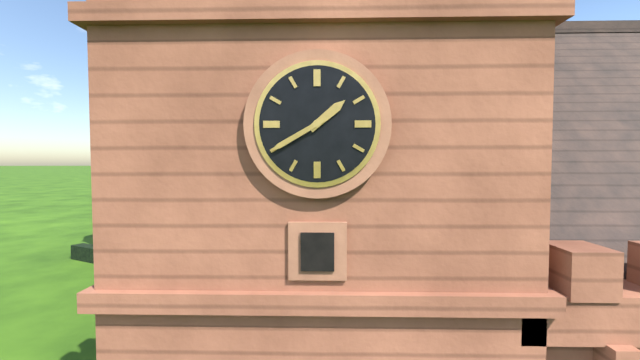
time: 1:40
